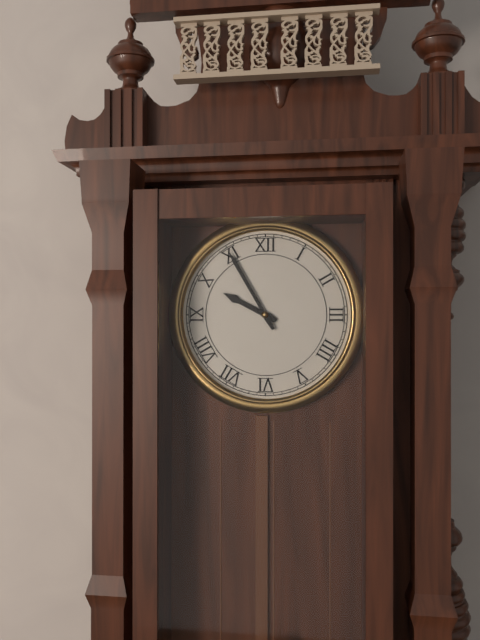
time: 9:55
